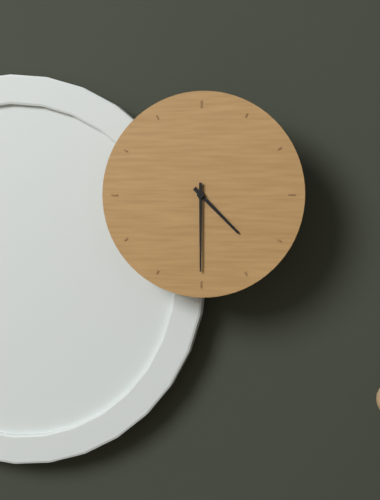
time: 4:30
